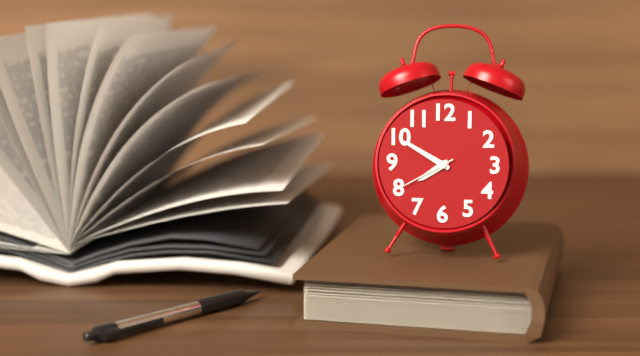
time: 7:50:40
